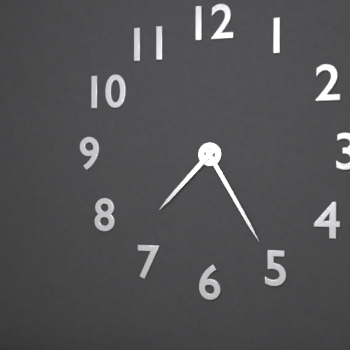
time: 7:25
